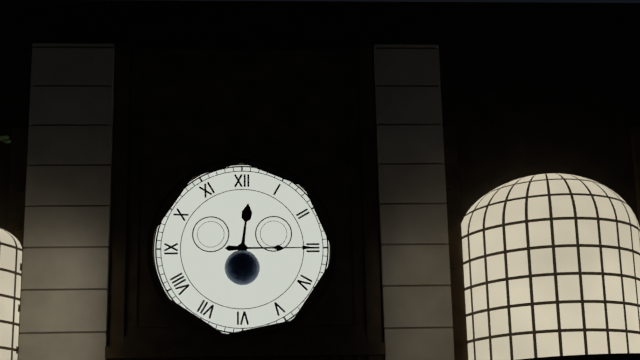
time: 12:15
